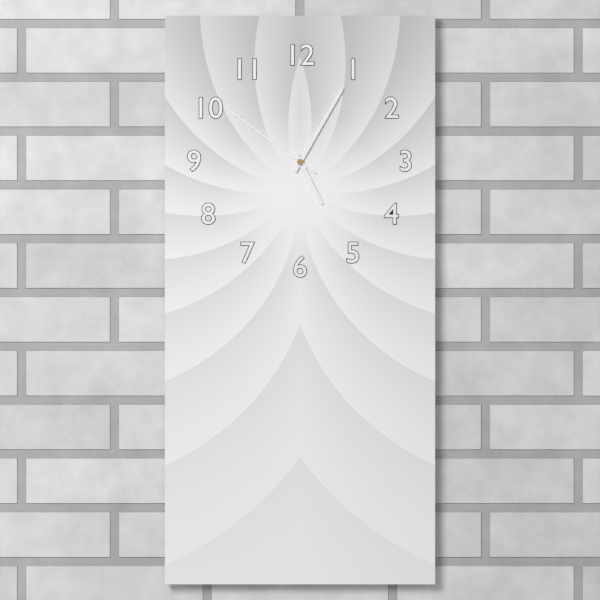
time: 5:05:51
